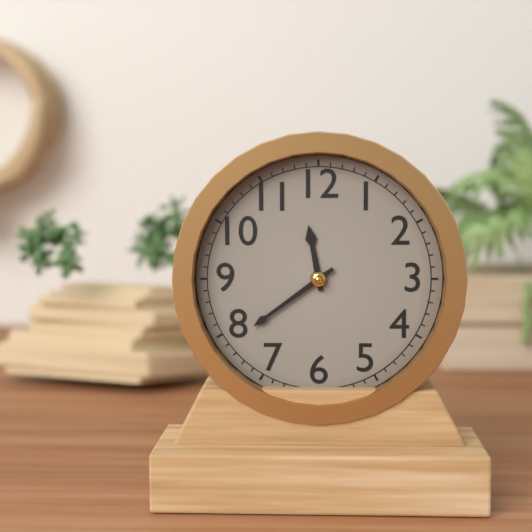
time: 11:39
